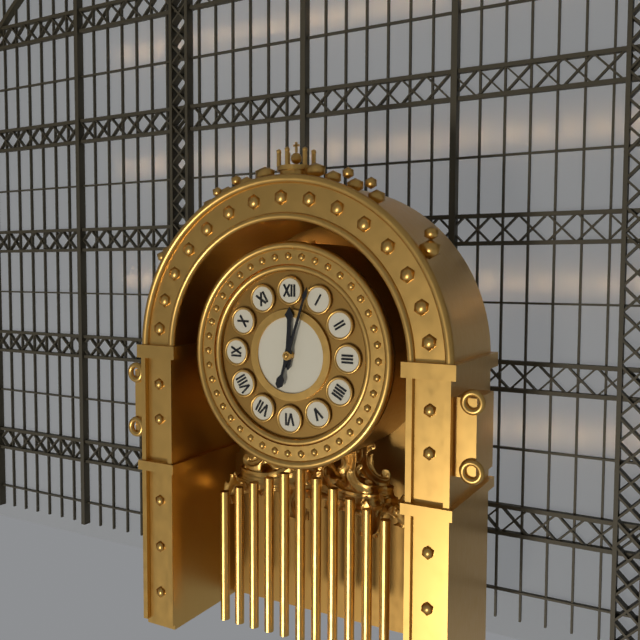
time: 12:03
